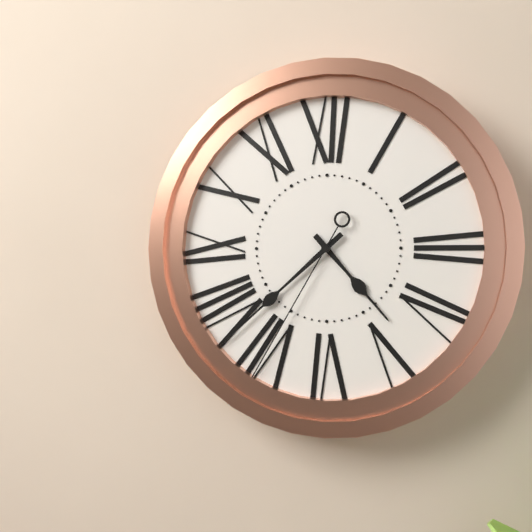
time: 4:38:35
